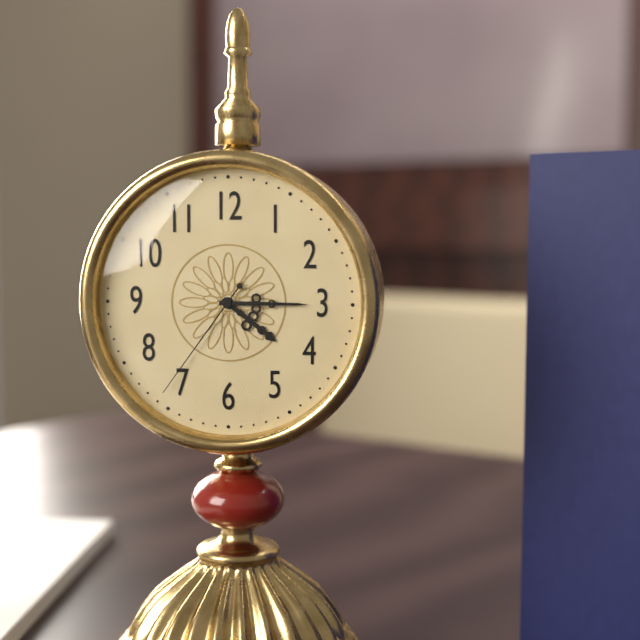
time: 4:15:36
